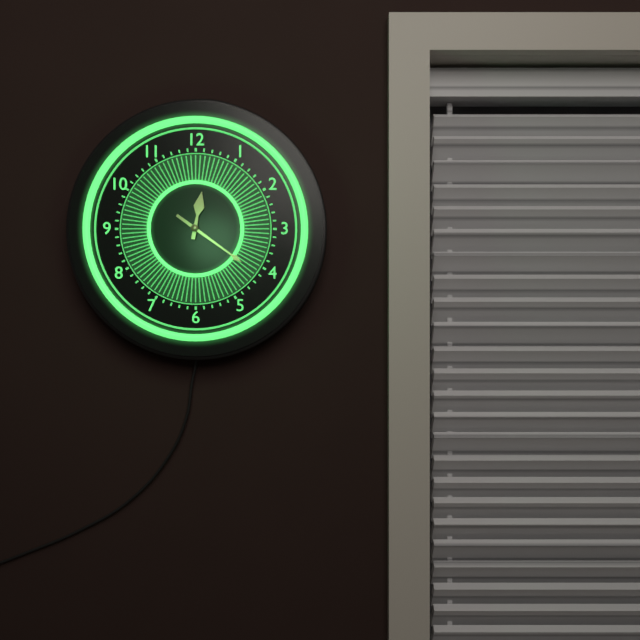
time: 12:21
